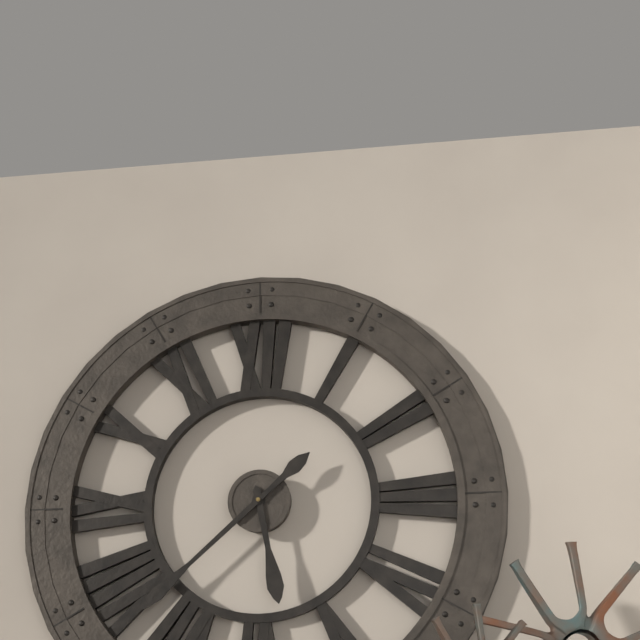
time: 5:38
